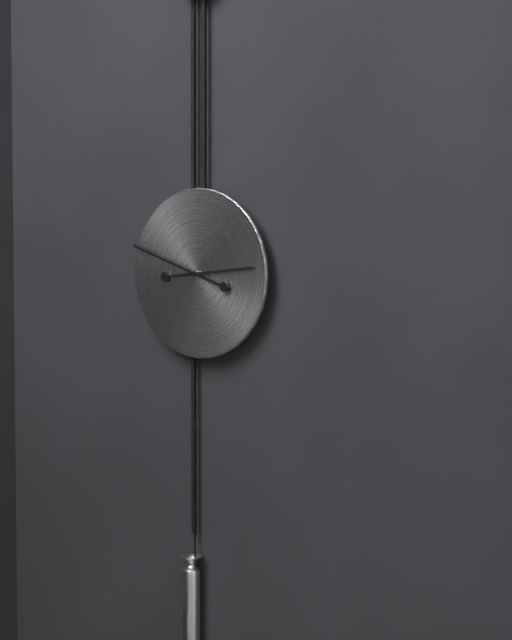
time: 2:48
